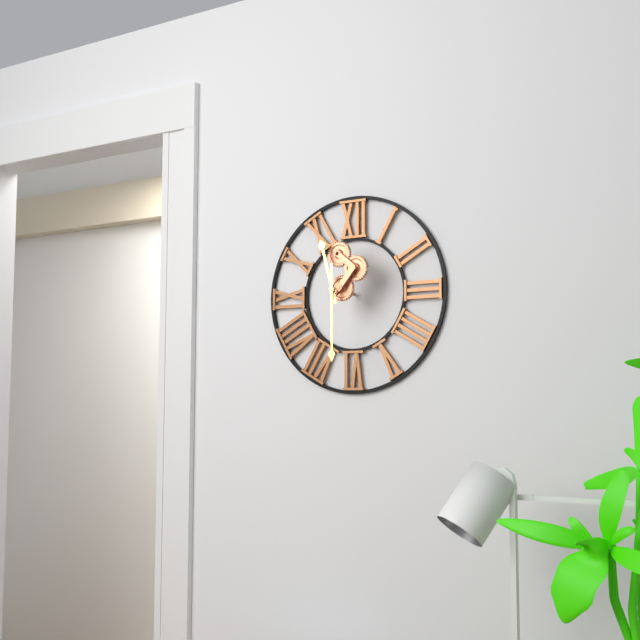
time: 11:30
